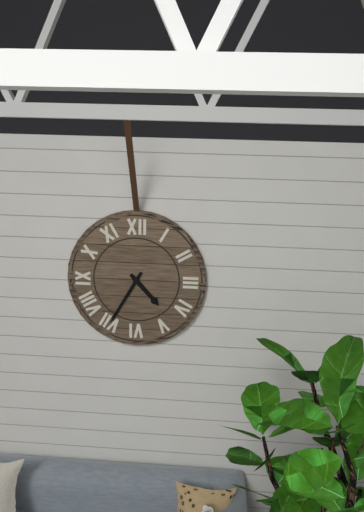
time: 4:35
